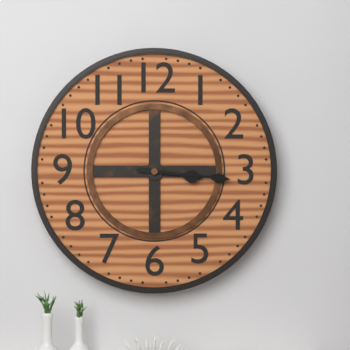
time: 3:16
